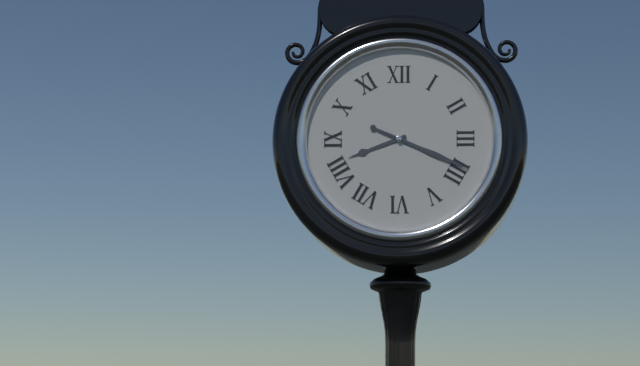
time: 8:19
